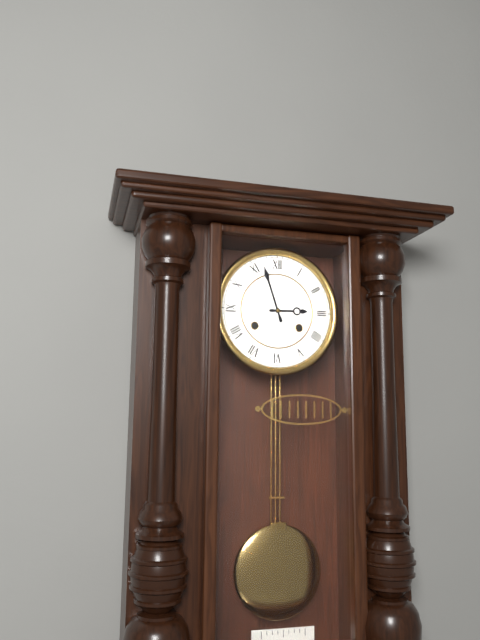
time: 2:57
